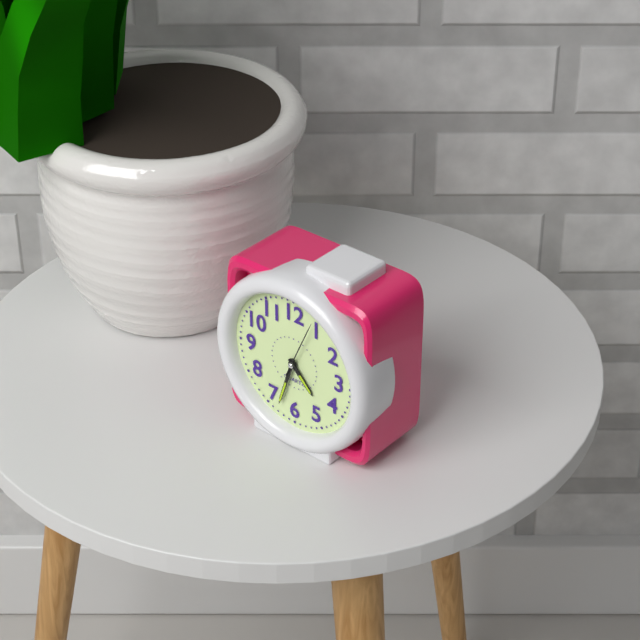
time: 4:33:04
